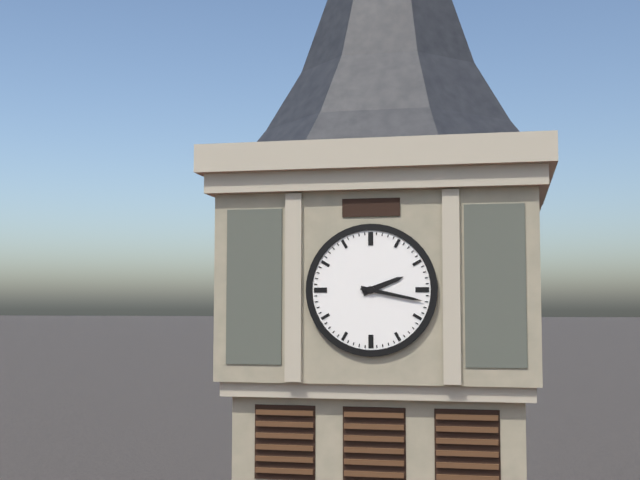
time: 2:17
